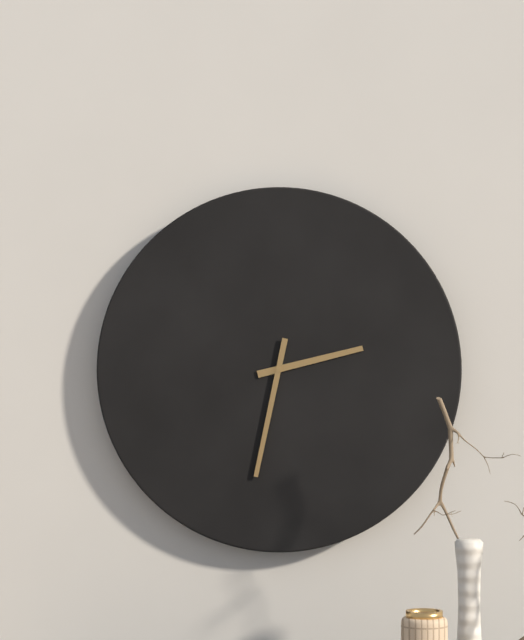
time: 2:32
